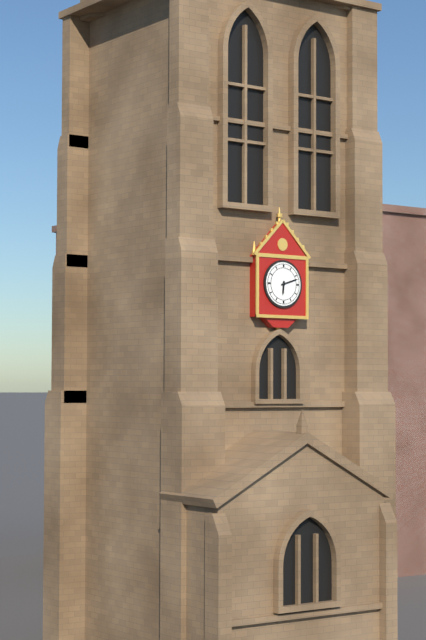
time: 6:12
